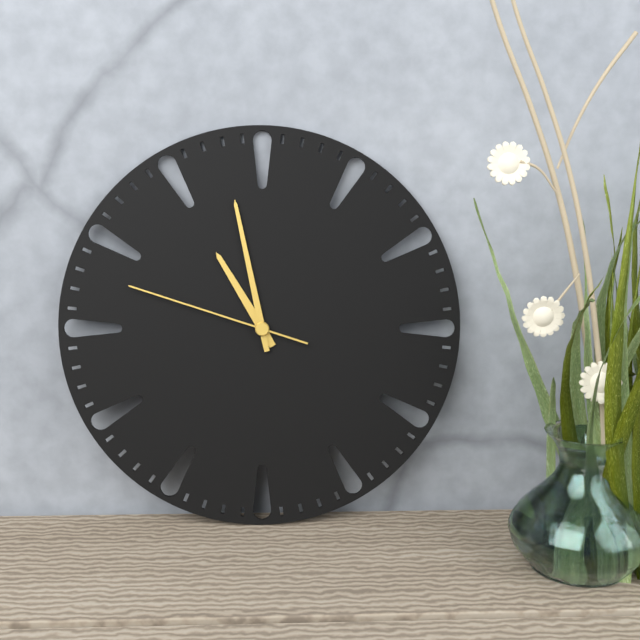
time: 10:58:48
